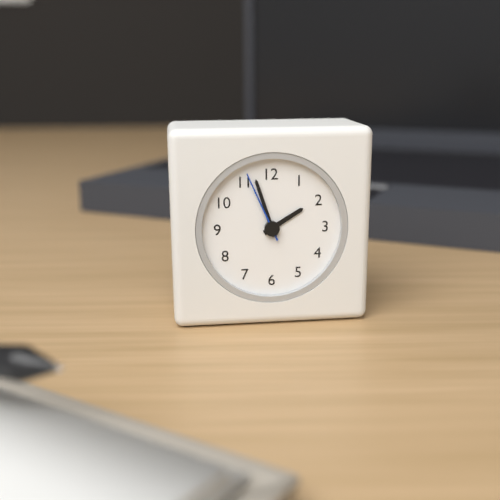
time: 1:57:56
